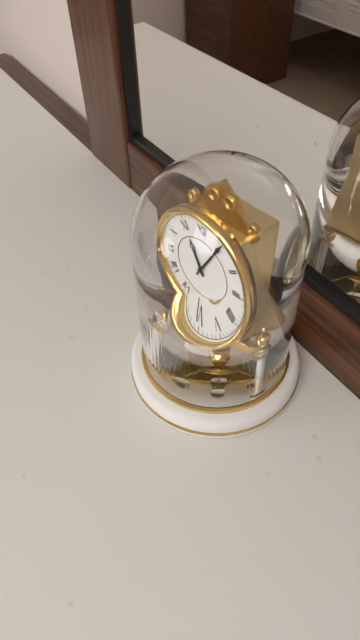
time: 11:05
